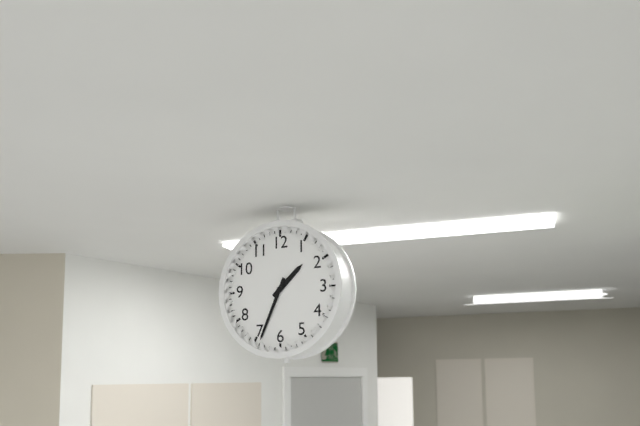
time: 1:34
